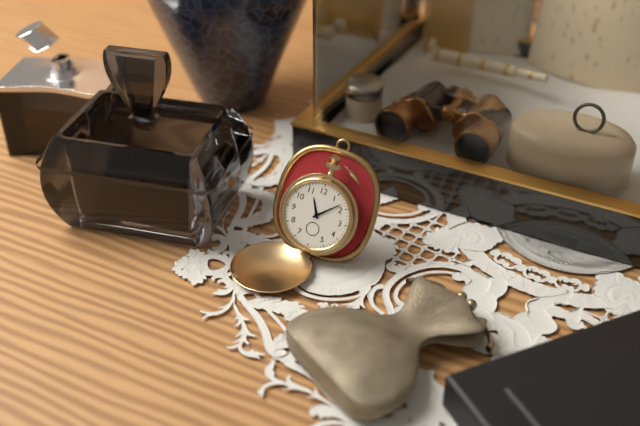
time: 11:08
